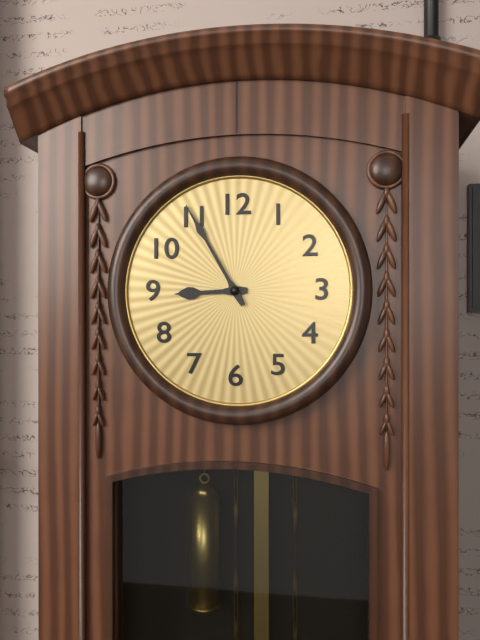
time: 8:55
